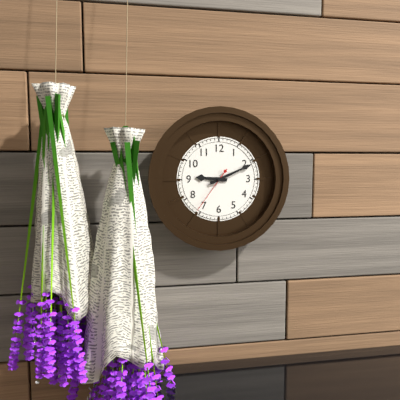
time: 9:11
